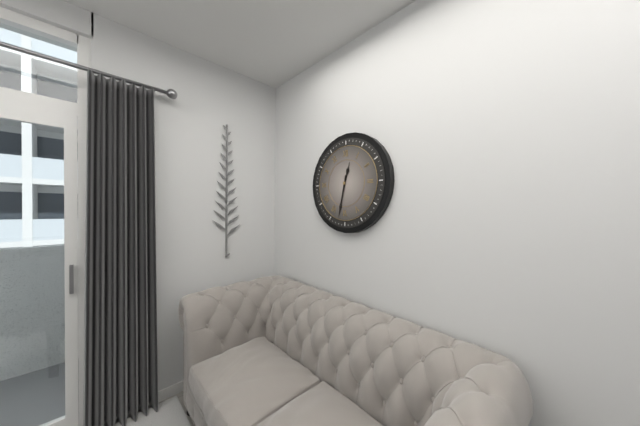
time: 12:32
